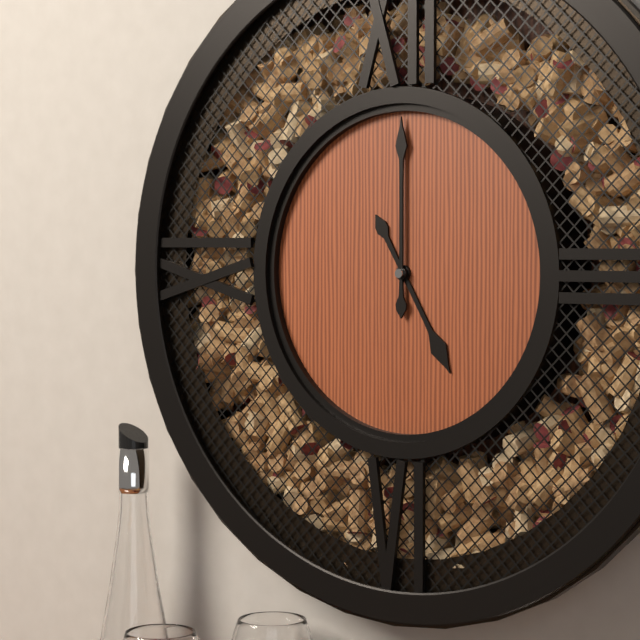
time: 5:00
